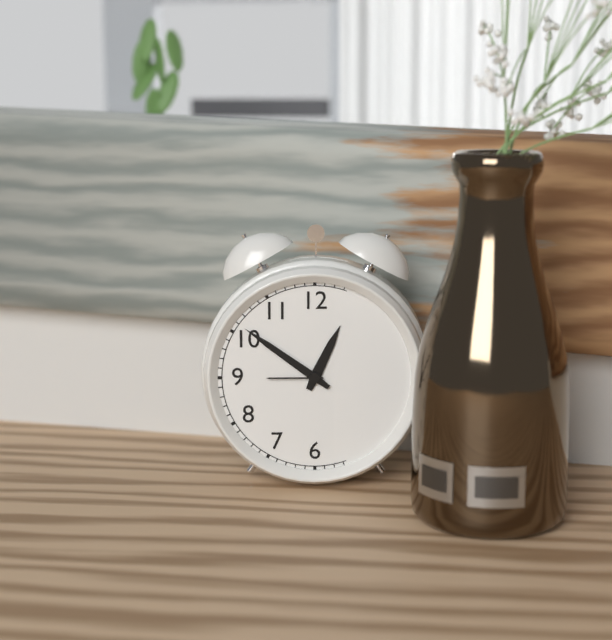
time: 12:51
